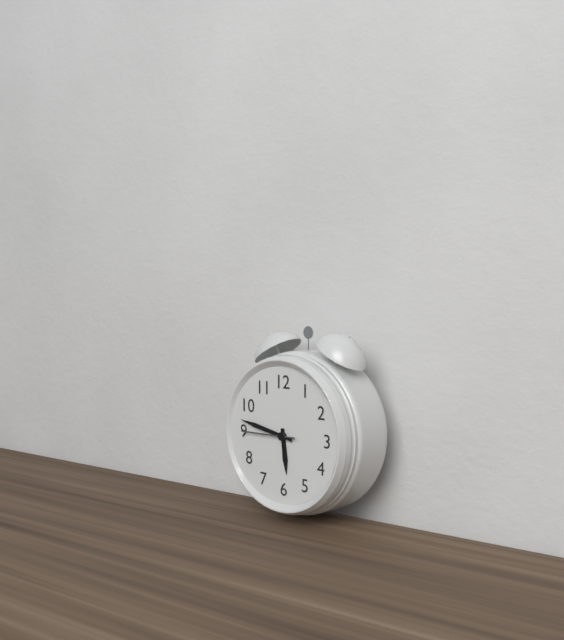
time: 5:47:45
